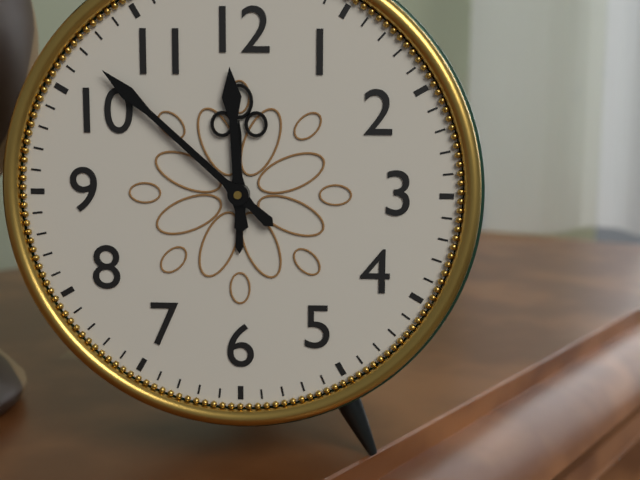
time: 11:52
